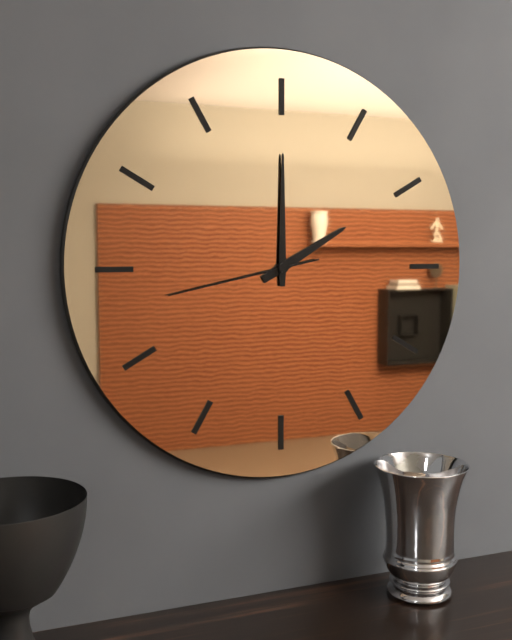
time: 2:00:43
